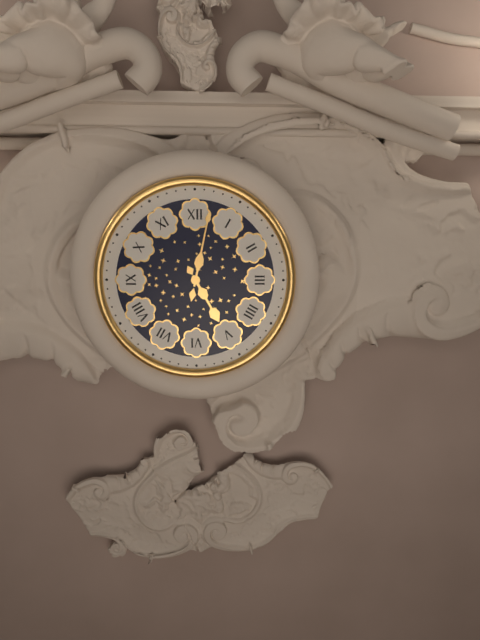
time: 5:02
